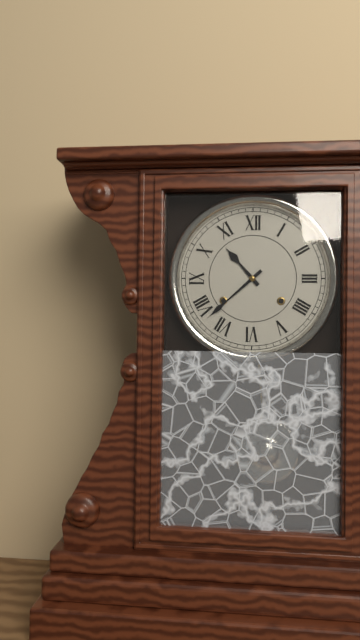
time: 10:38
